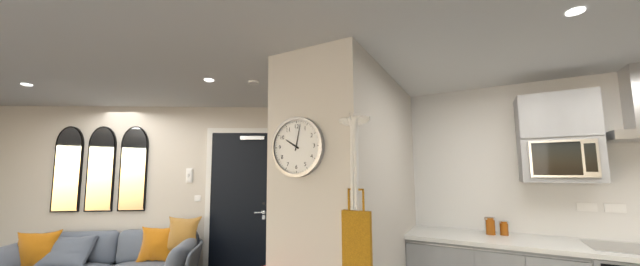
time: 10:02
